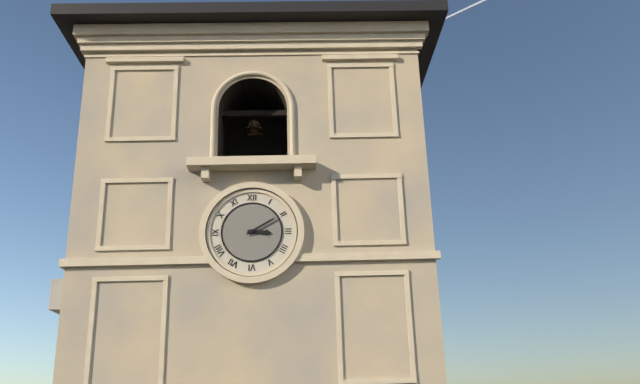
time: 3:10
